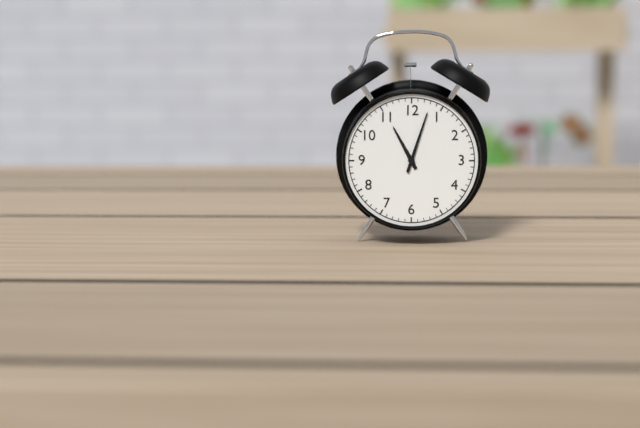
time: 11:03
